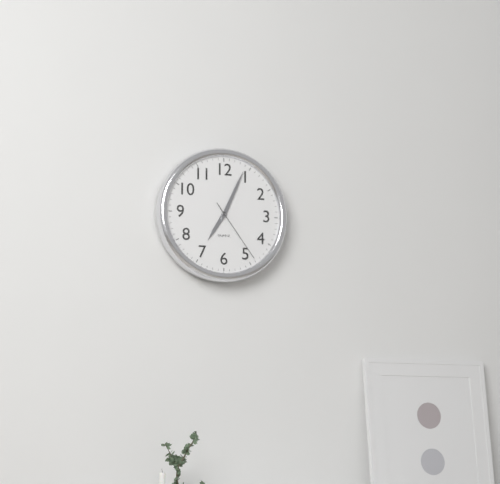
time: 7:04:24
